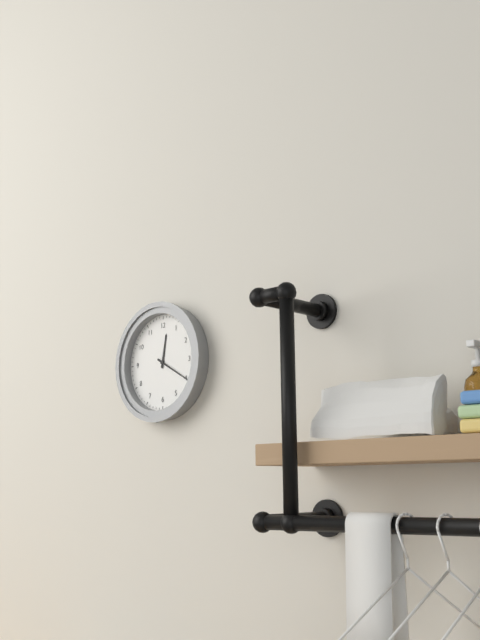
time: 12:20
